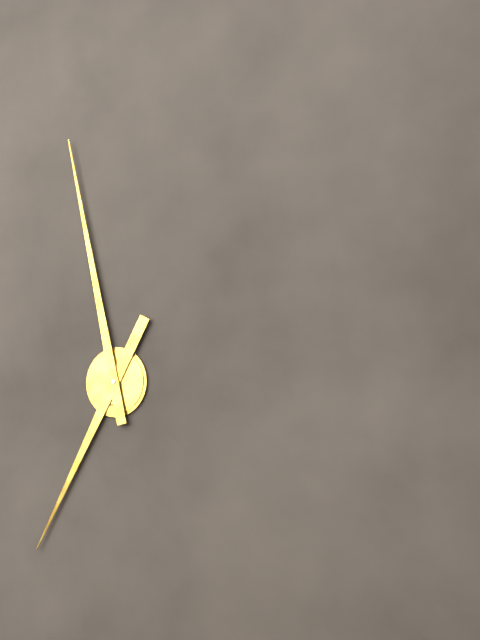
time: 6:58
